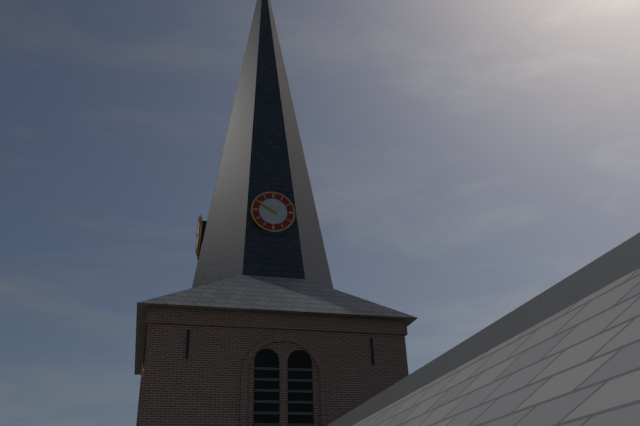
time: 9:50
